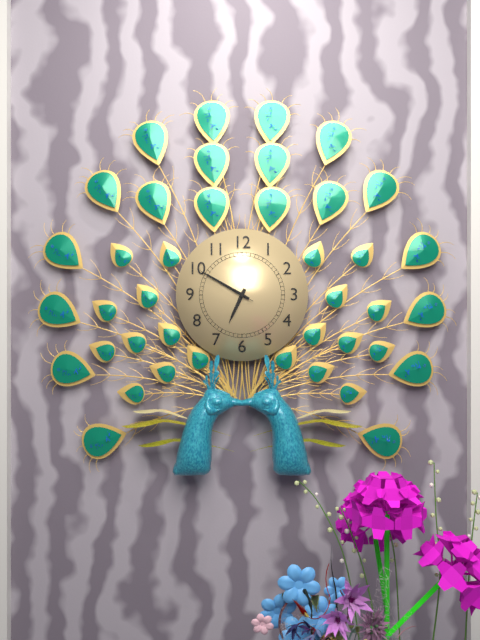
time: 6:50:50
